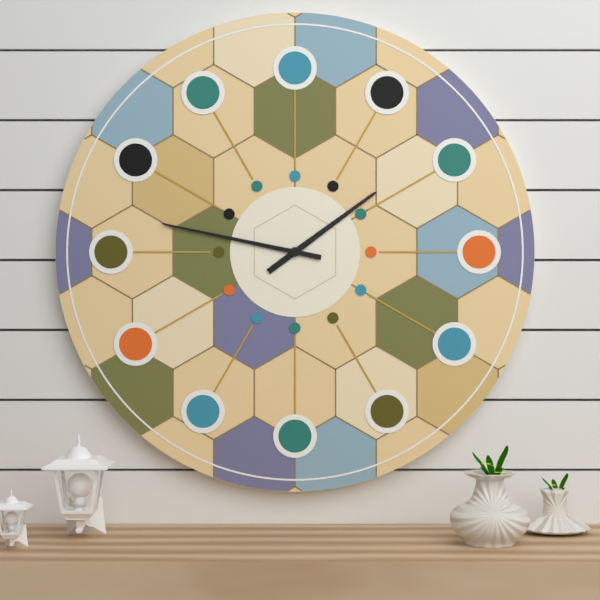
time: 1:47
